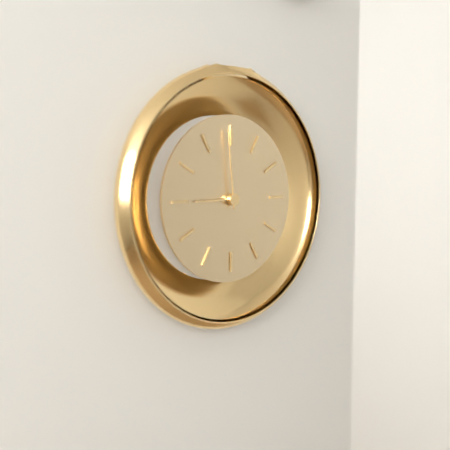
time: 8:59
